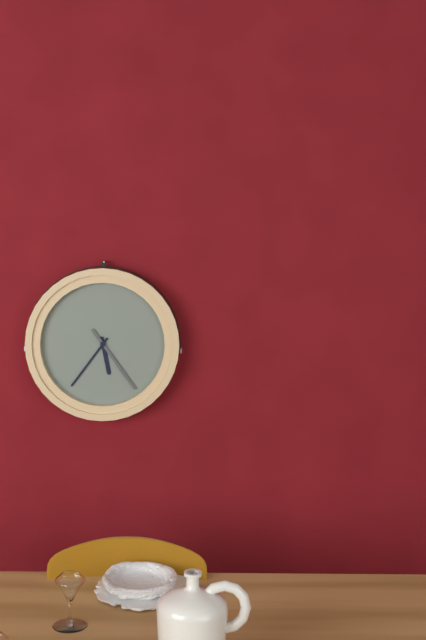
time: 5:36:24
